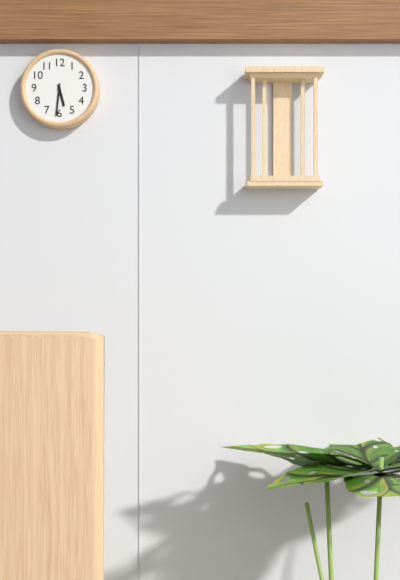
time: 5:31
